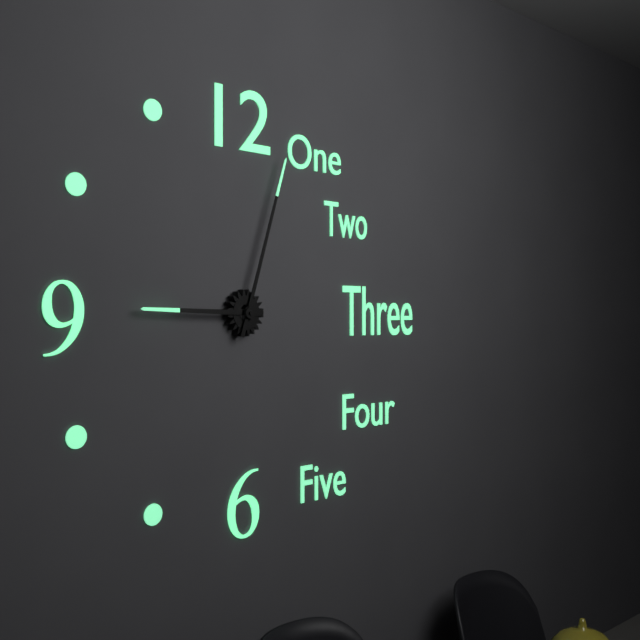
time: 9:03
